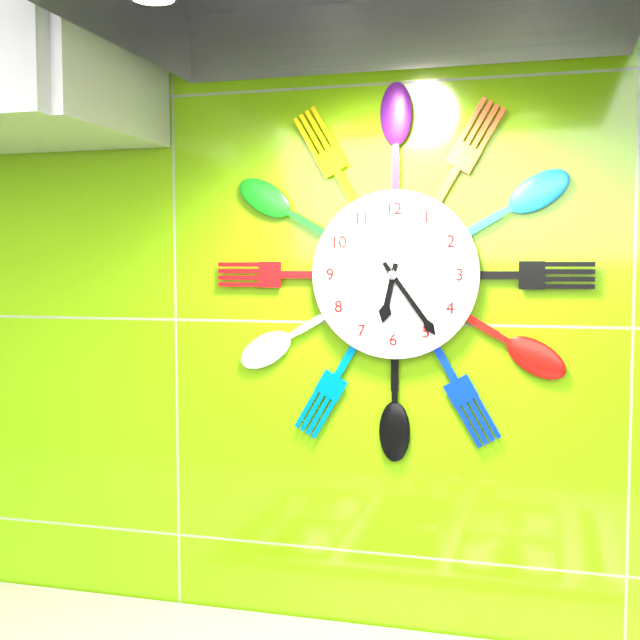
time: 6:24
